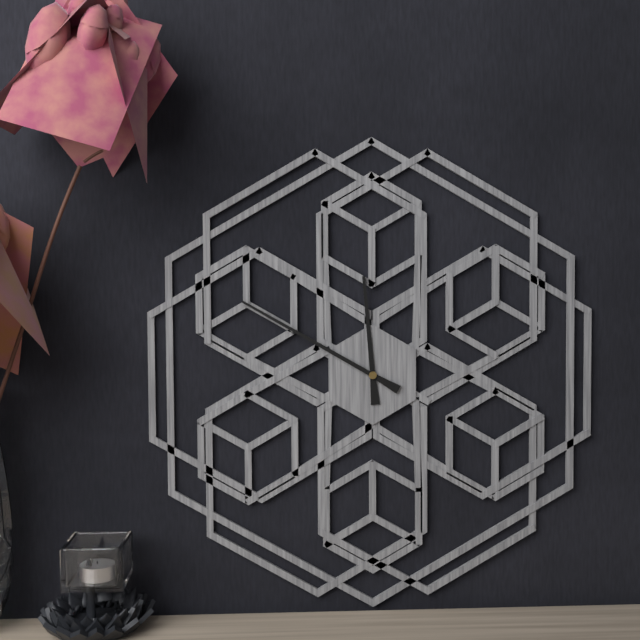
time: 11:50
